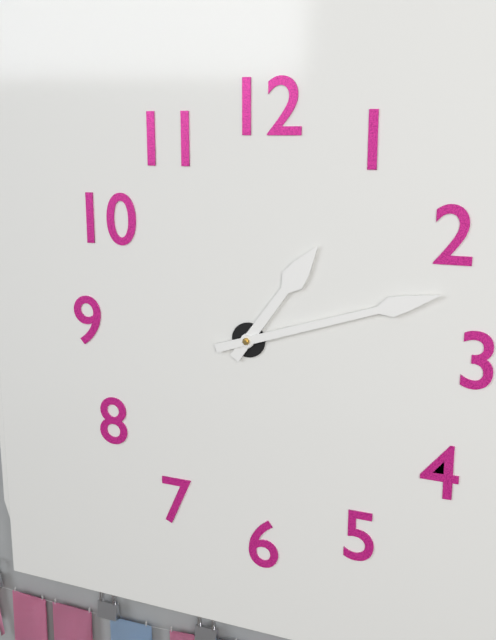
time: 1:12
